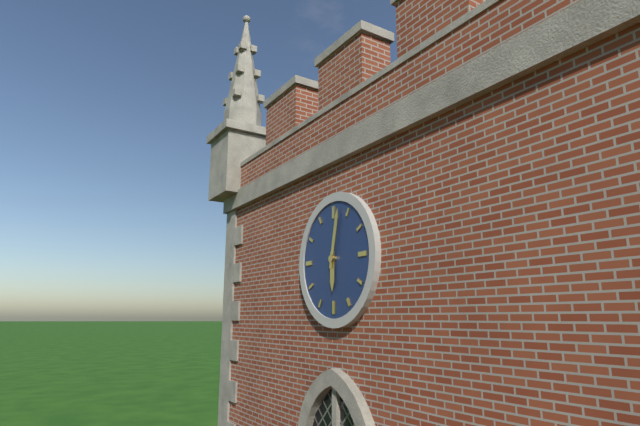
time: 6:02
